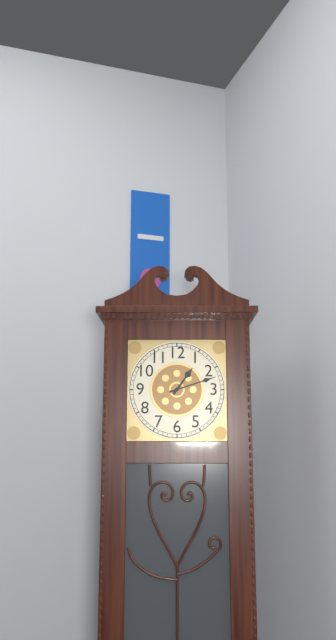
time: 1:12
